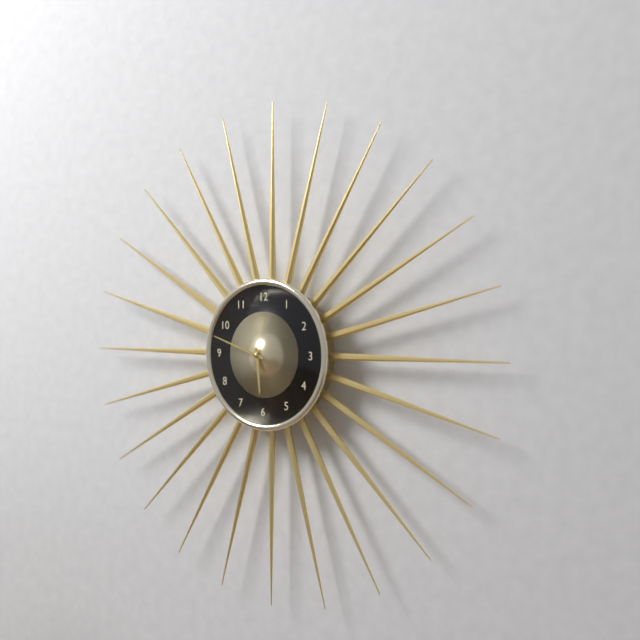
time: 5:48
